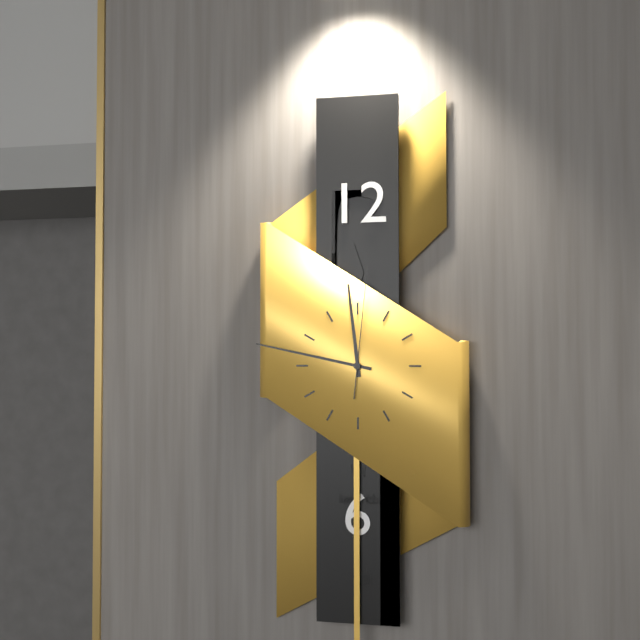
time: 11:47:01
